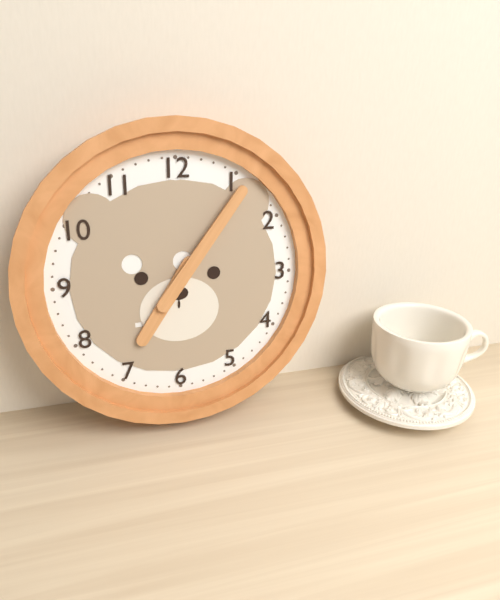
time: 7:06
